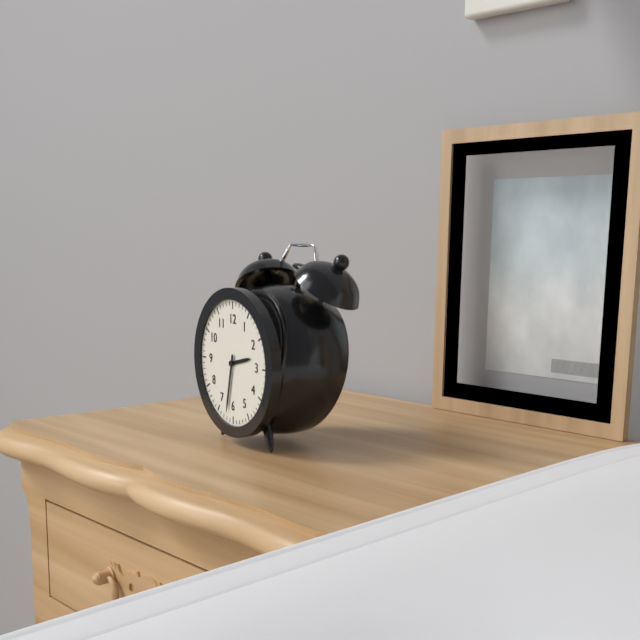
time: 2:32
